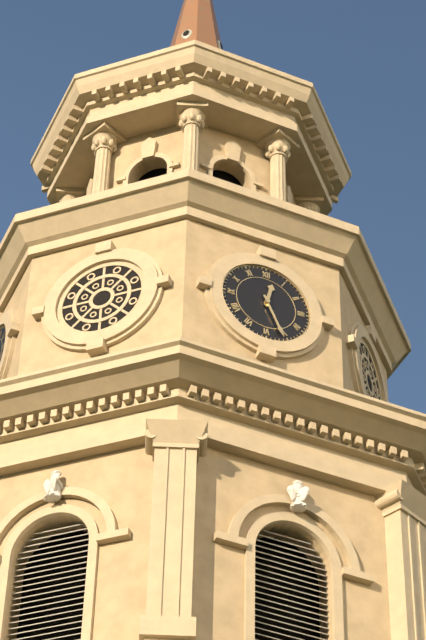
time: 12:26
